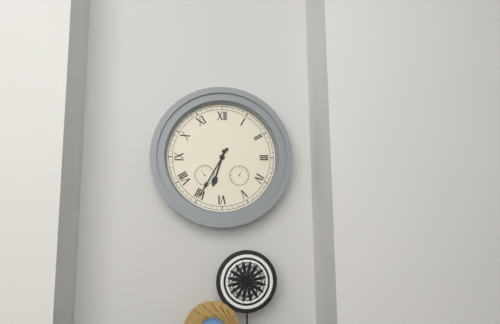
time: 6:35
